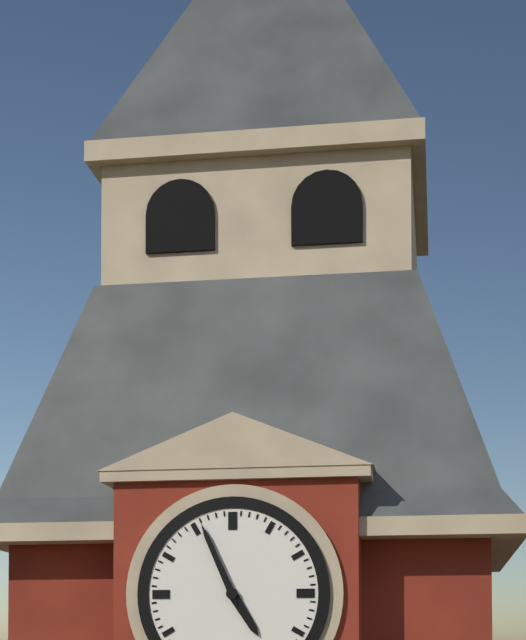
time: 4:56
